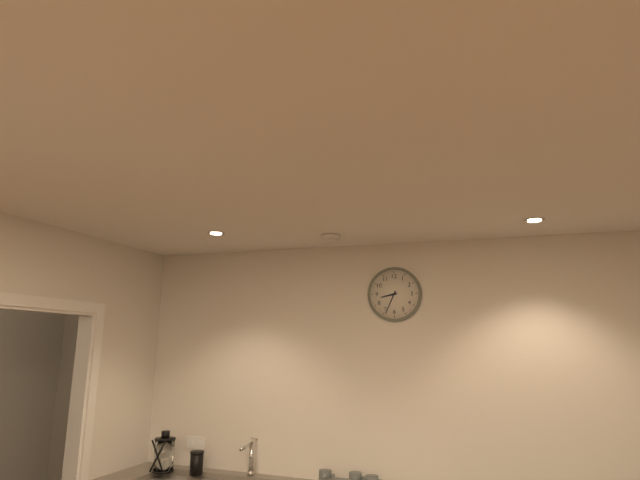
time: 8:34
